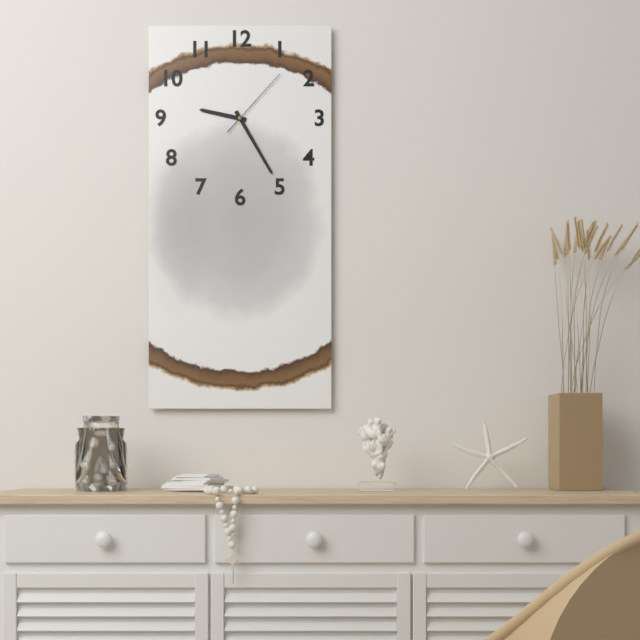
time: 9:25:07
